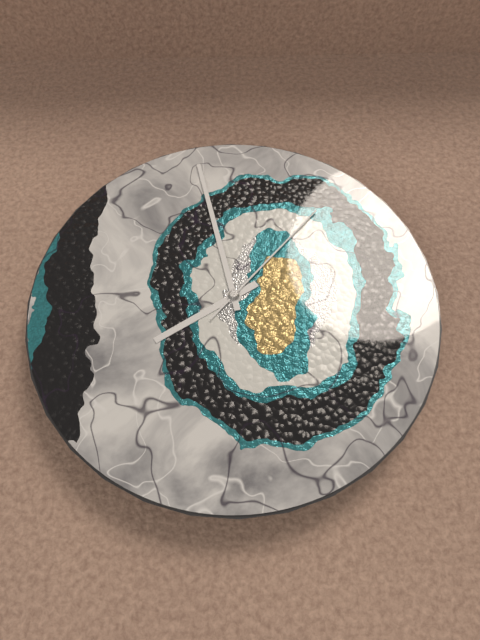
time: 7:58:07
